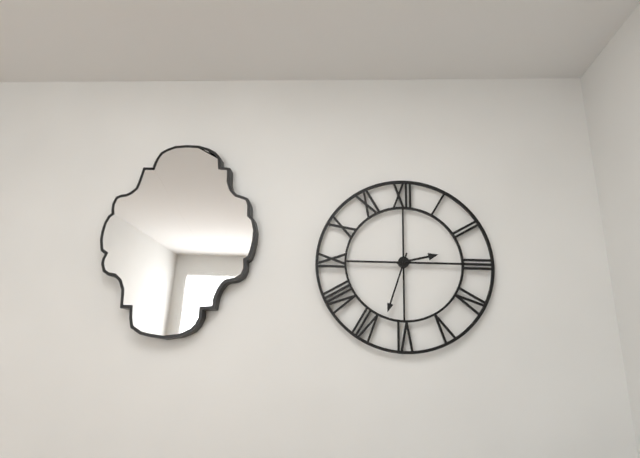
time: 2:33
